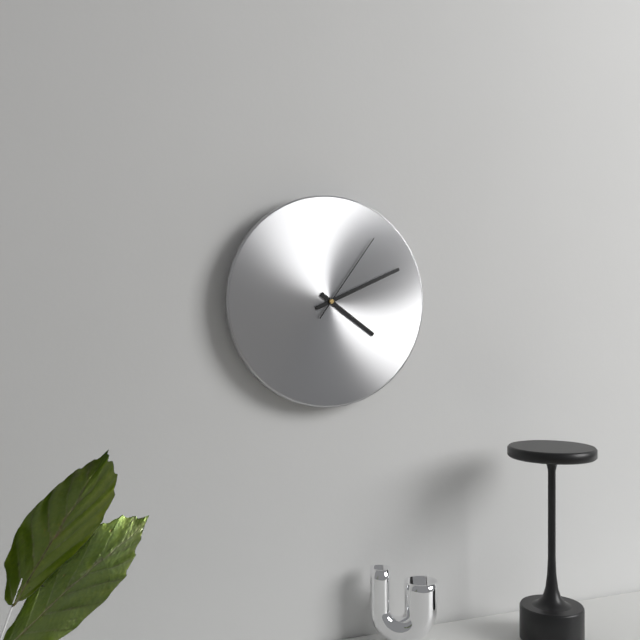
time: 4:11:06
